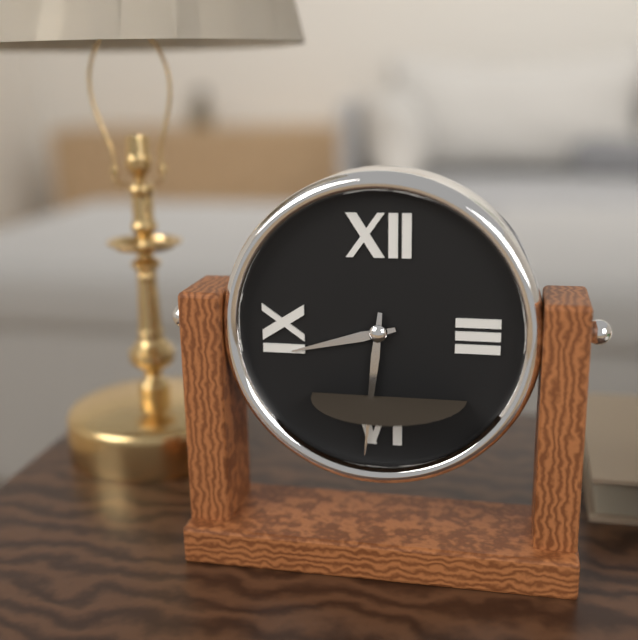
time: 8:31
